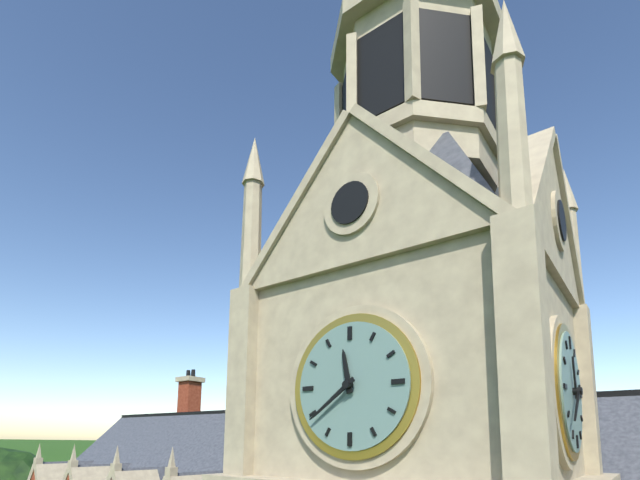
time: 11:39
